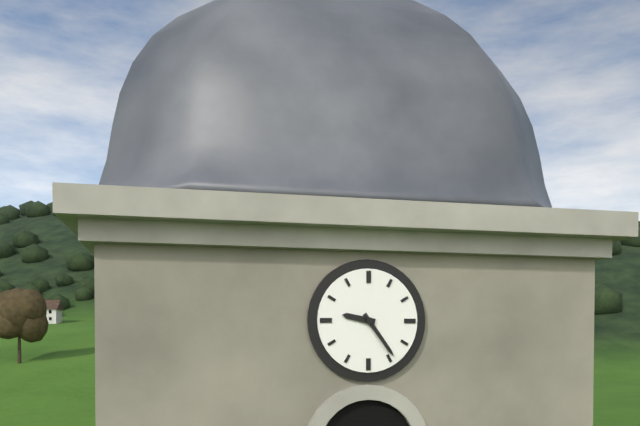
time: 9:24
